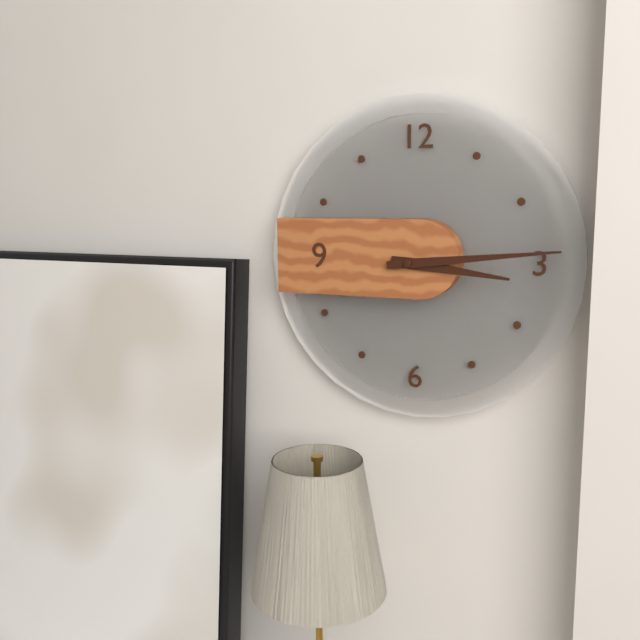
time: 3:14
